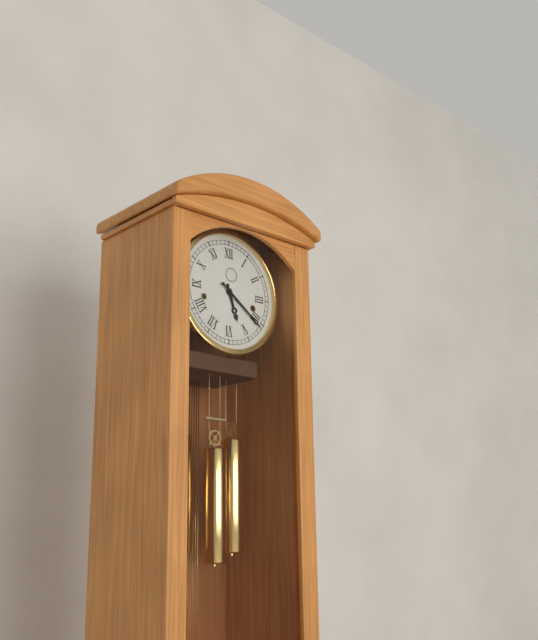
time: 5:21
